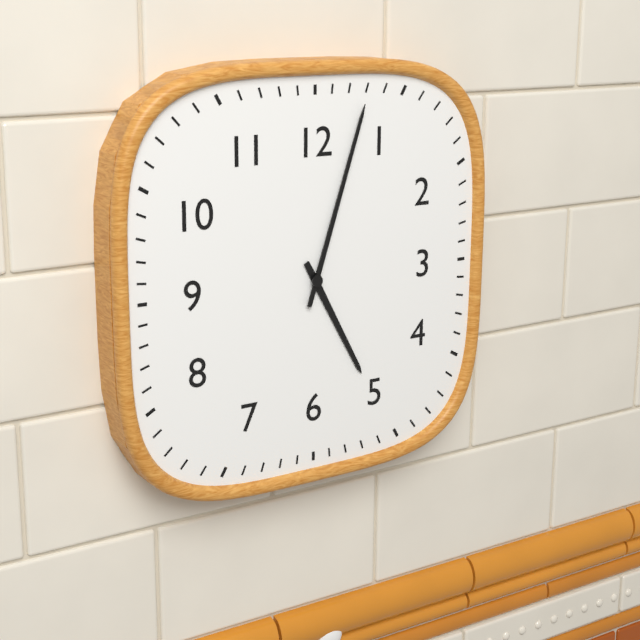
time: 5:03
